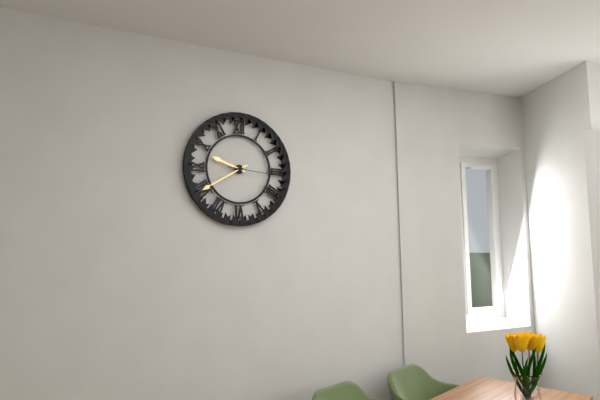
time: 9:40:16
